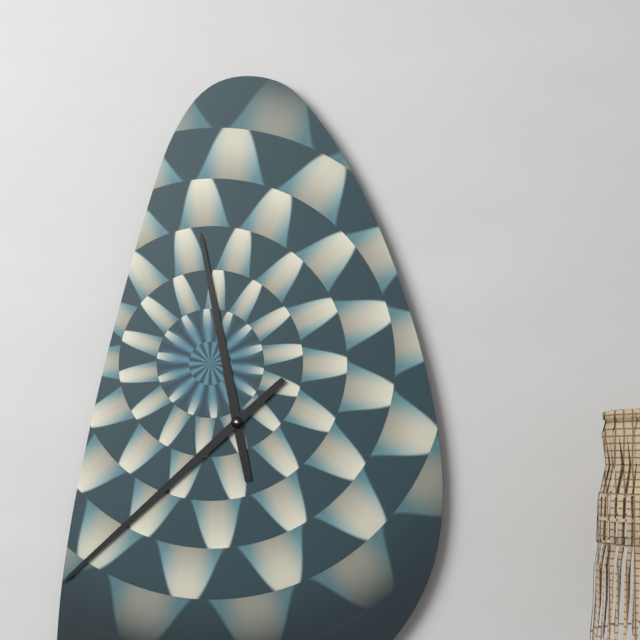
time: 11:38
